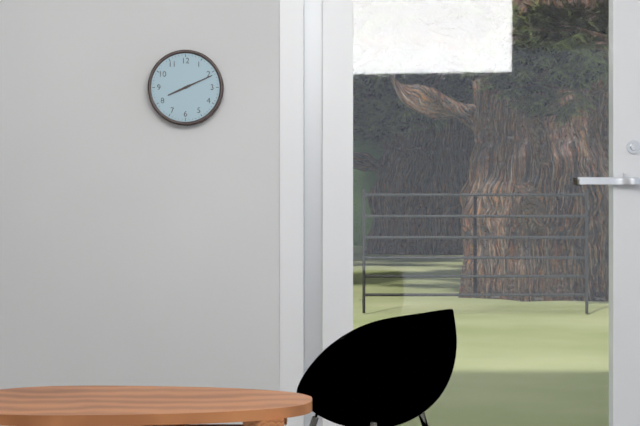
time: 8:11
